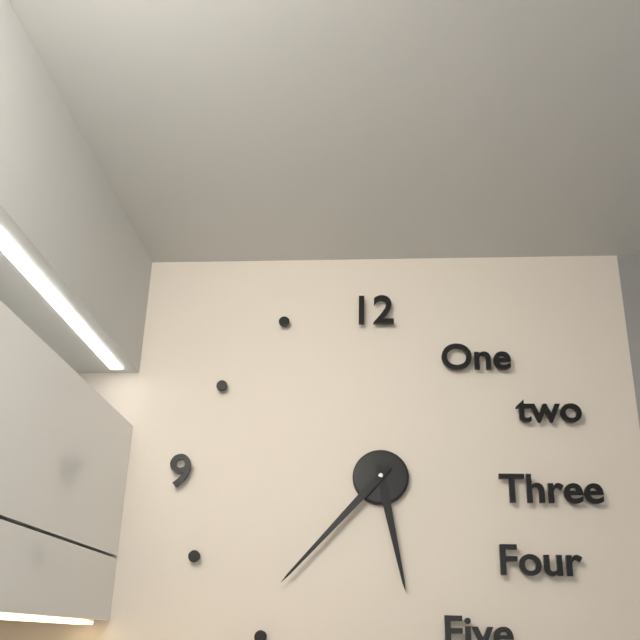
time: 5:37
